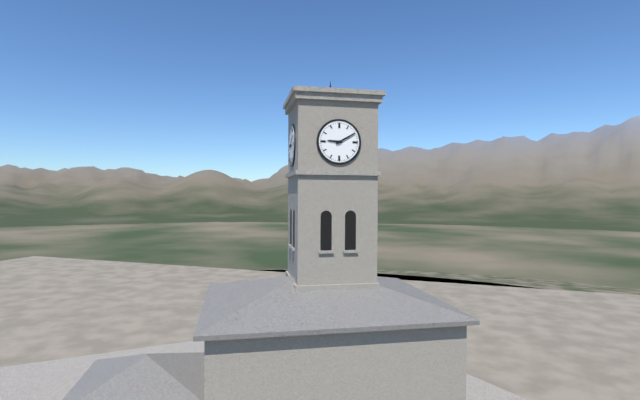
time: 9:10
